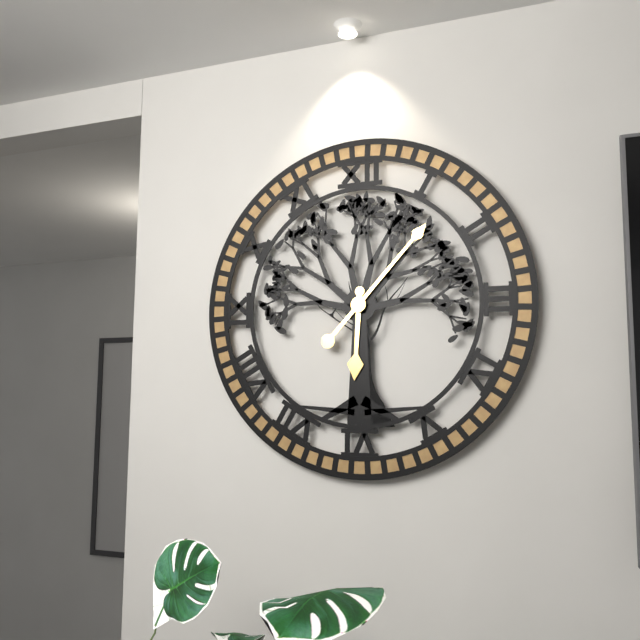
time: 6:07
